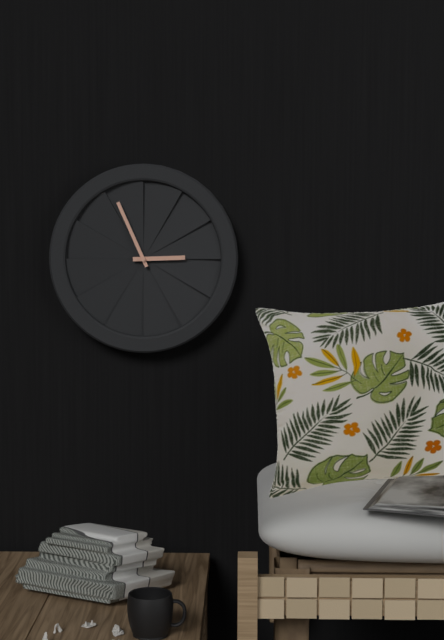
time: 2:56
